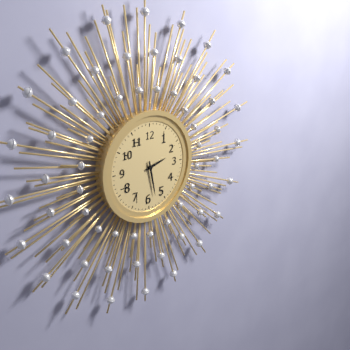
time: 2:28
